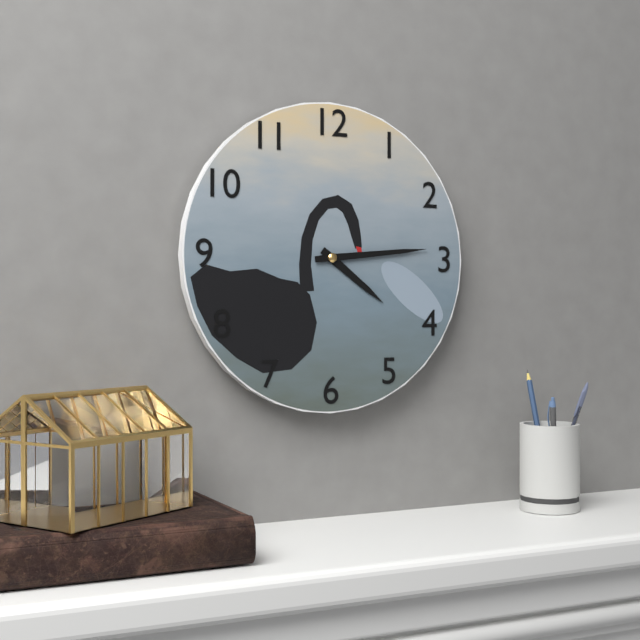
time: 4:14
